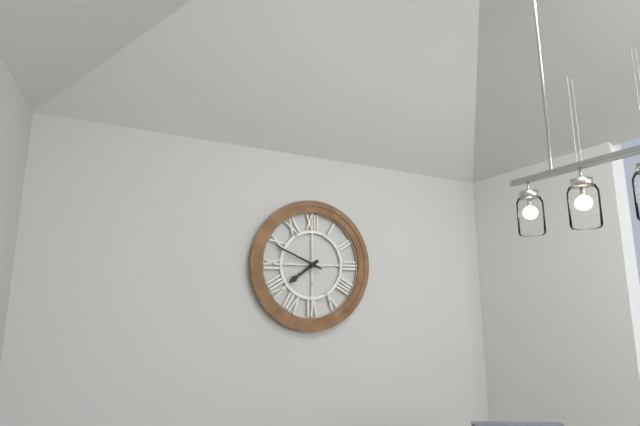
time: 7:49
